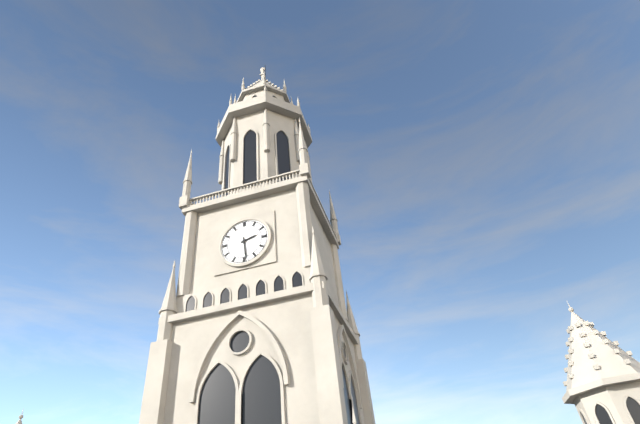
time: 2:29
